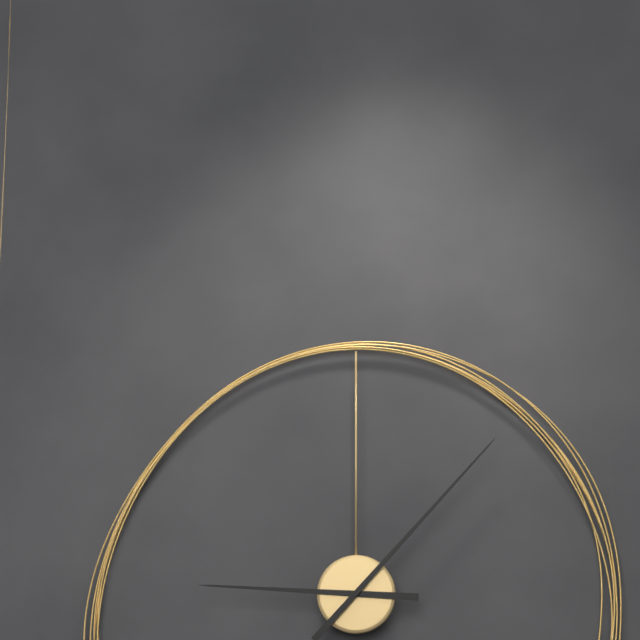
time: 9:07
